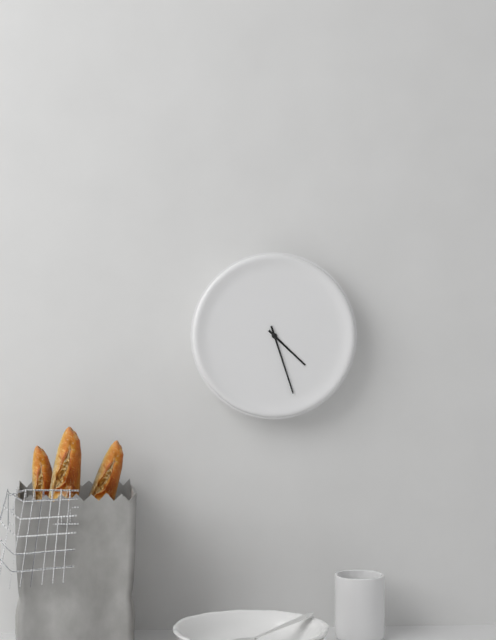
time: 4:27
